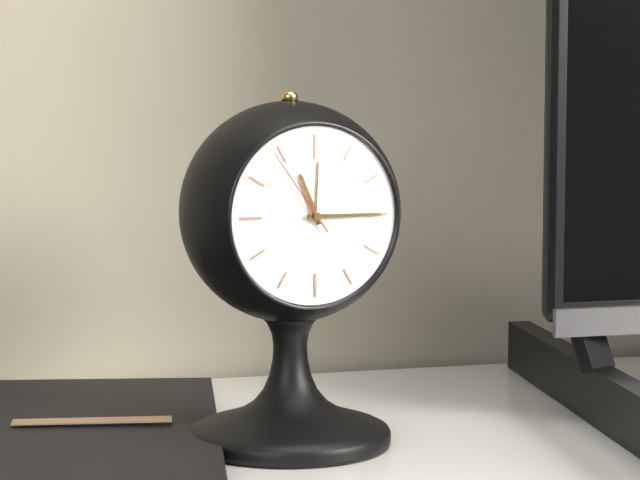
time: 11:15:54
